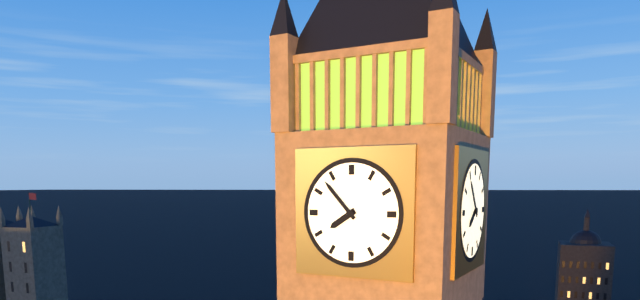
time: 7:53
